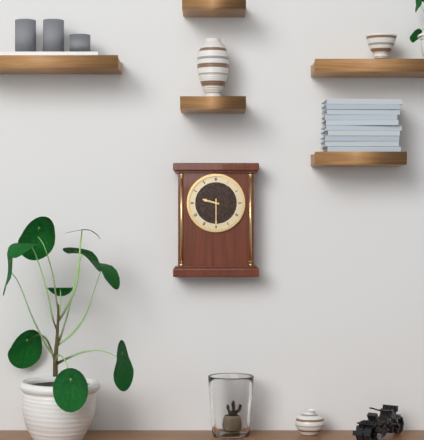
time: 9:30
